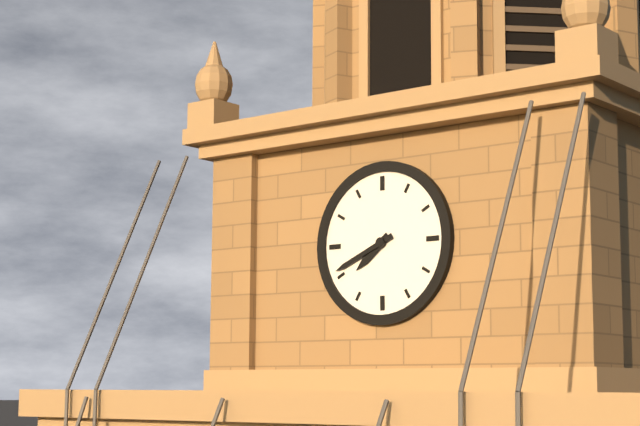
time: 7:41
